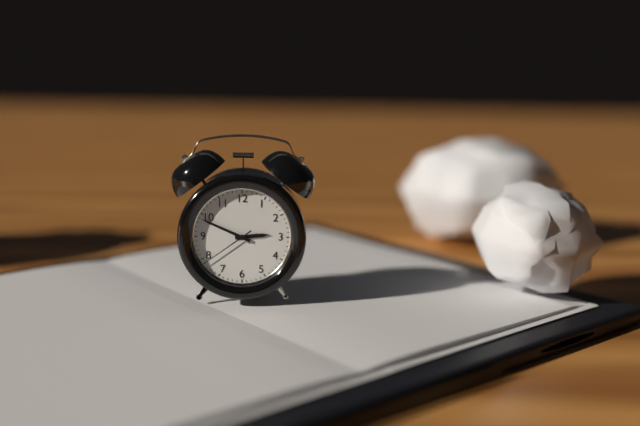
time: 2:49:39
